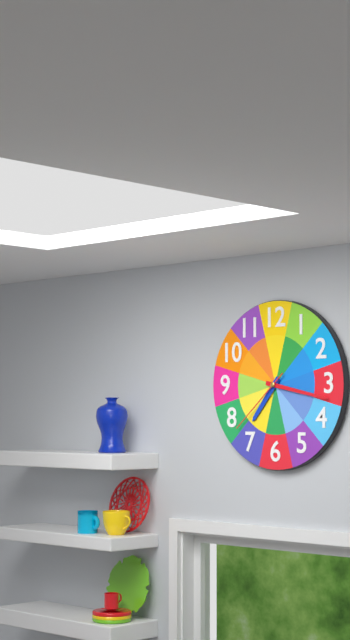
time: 7:17:38
